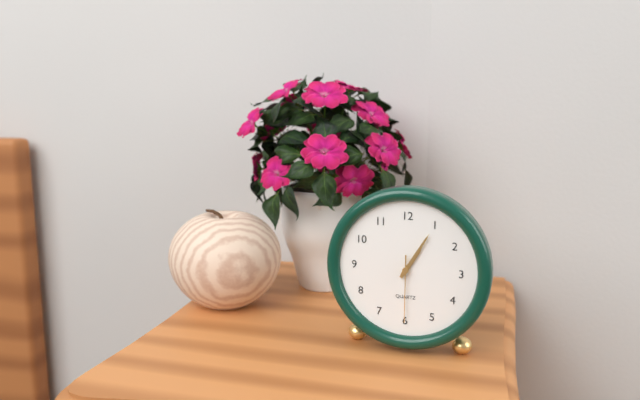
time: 1:05:30
